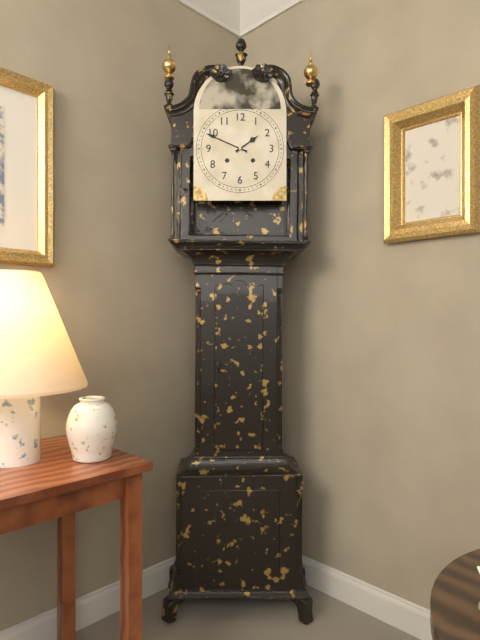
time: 1:49
